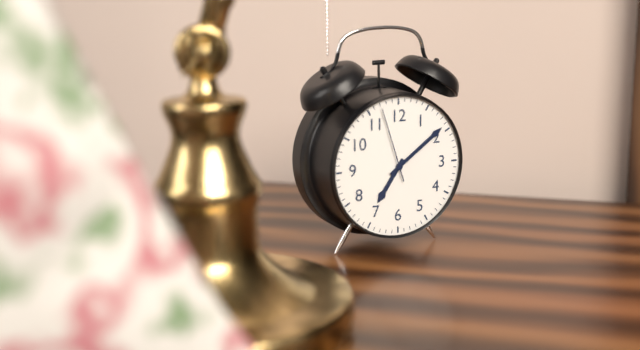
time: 7:09:57
